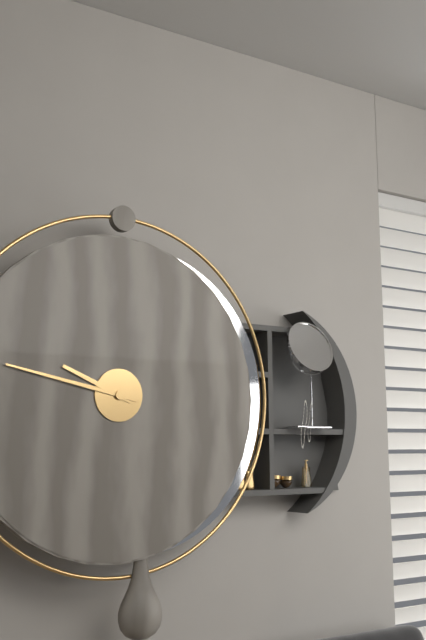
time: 9:47
